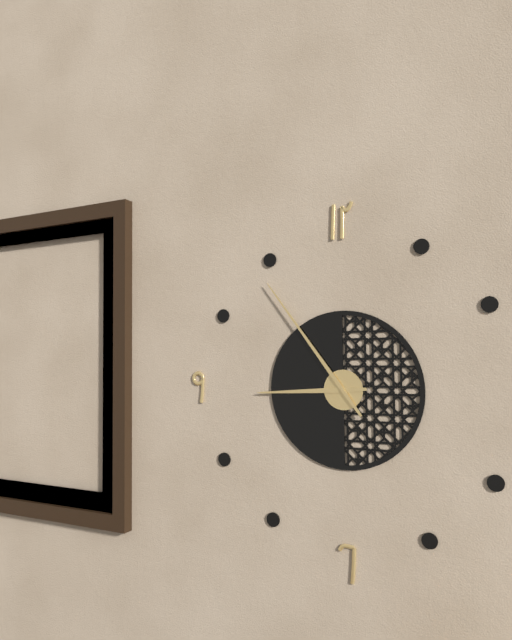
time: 8:54
